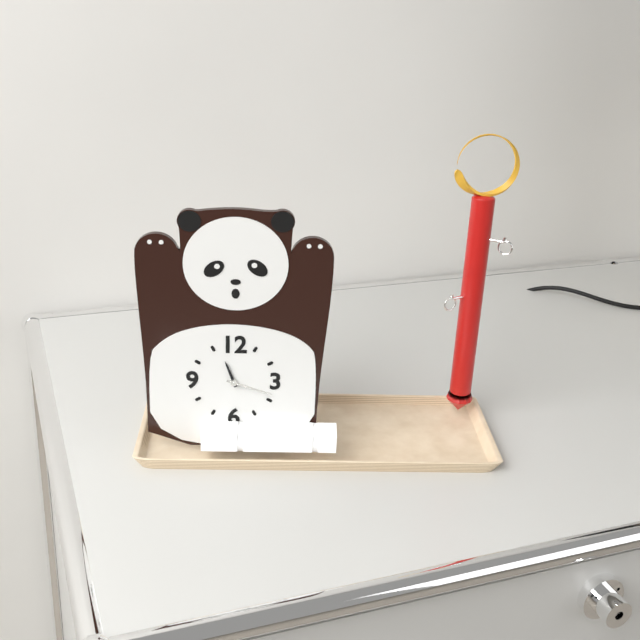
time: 11:18
